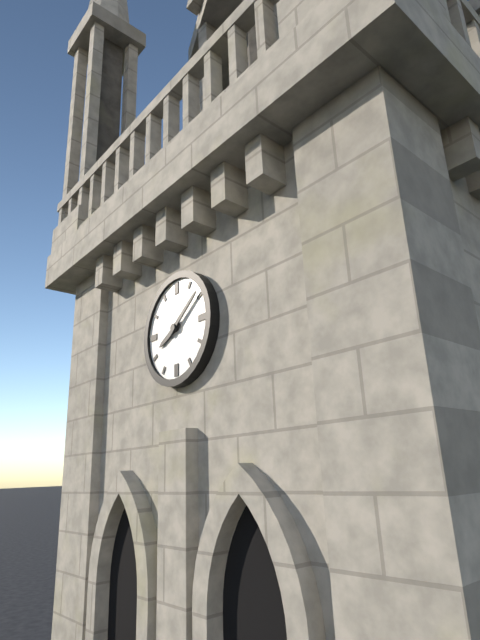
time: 8:09
